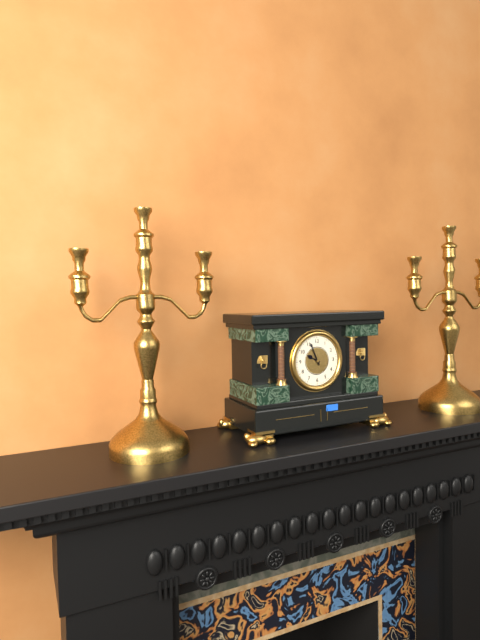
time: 9:56
